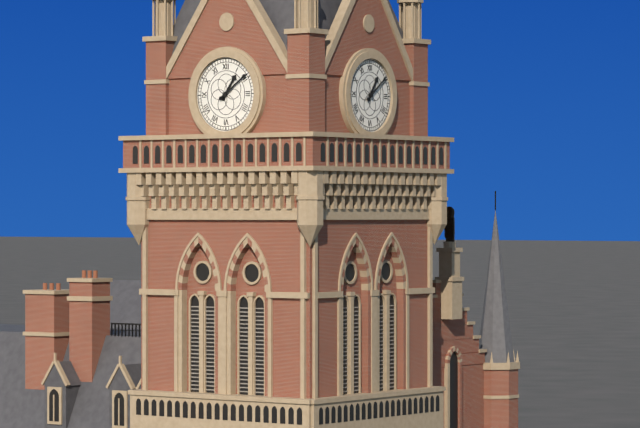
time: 1:09
